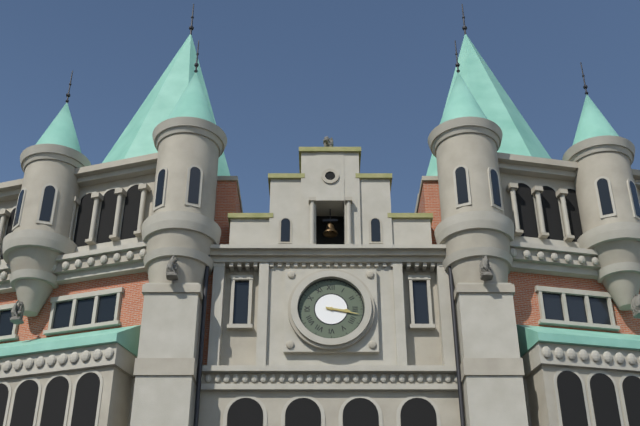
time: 3:17
